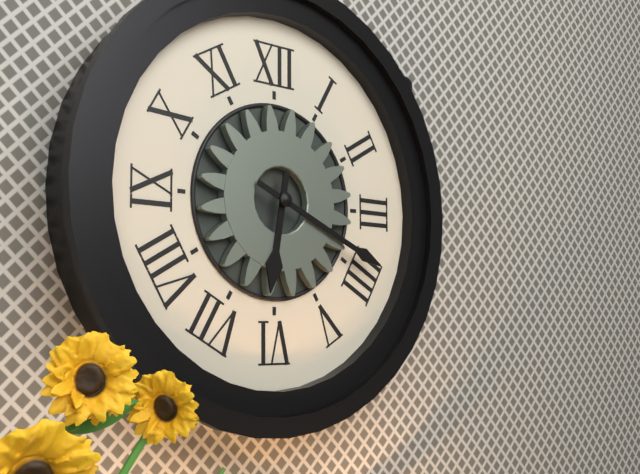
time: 6:19
